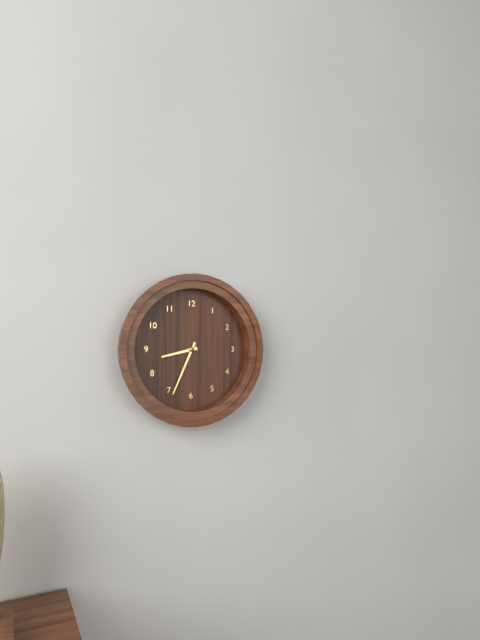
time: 8:34
